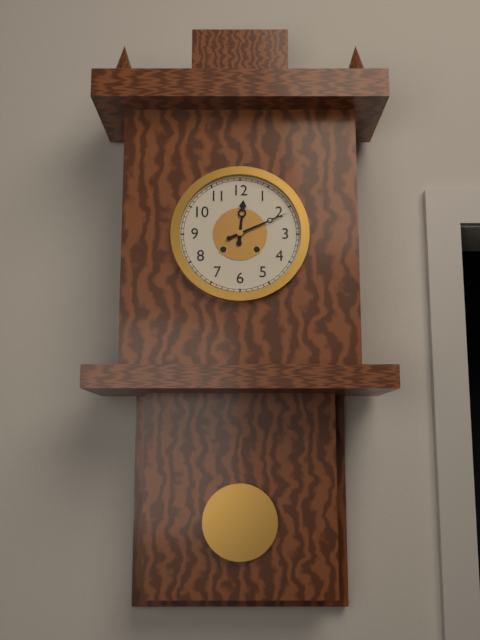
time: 12:11
